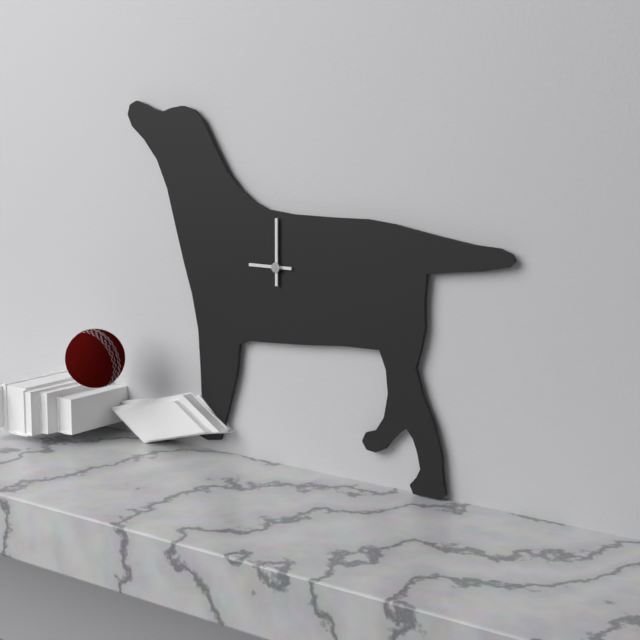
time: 9:00
